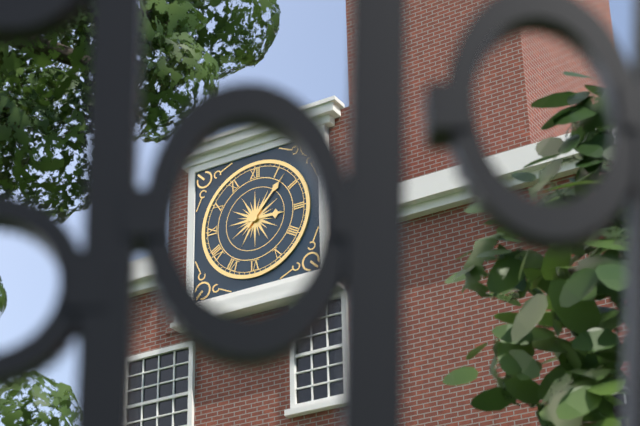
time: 3:07
